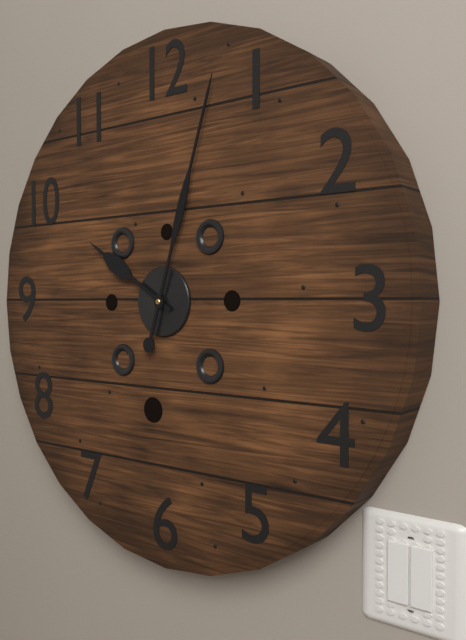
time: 10:03
